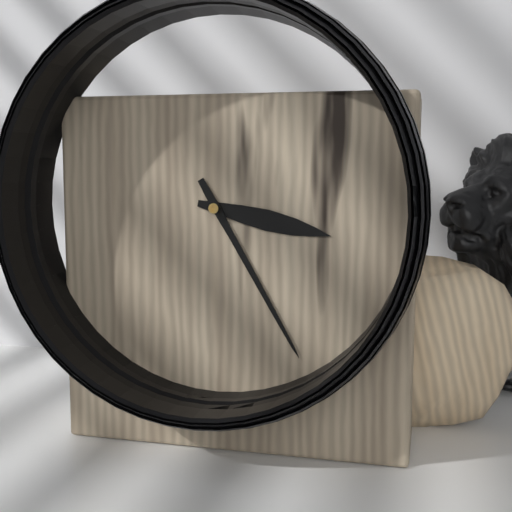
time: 3:25
